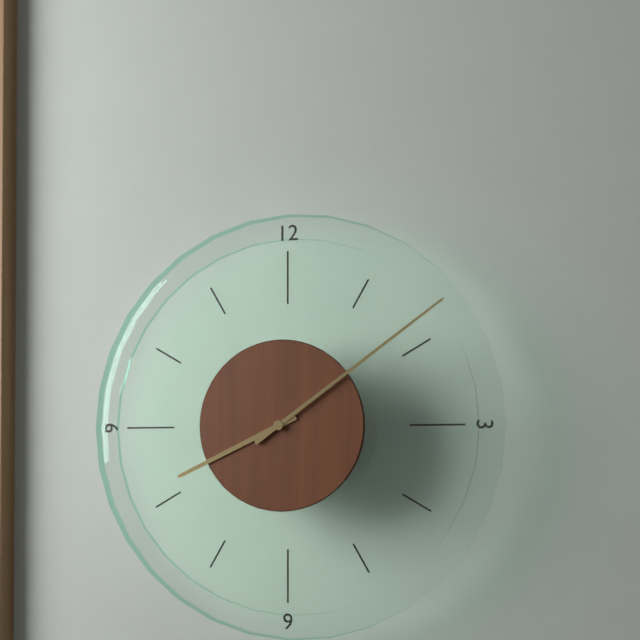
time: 8:09
